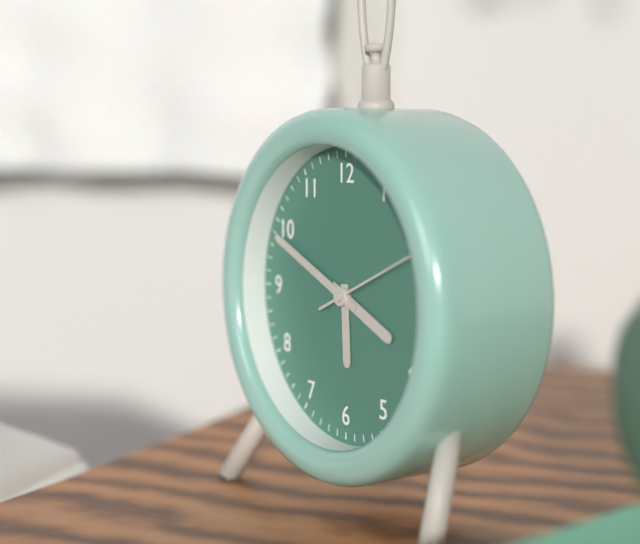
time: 3:49:11
